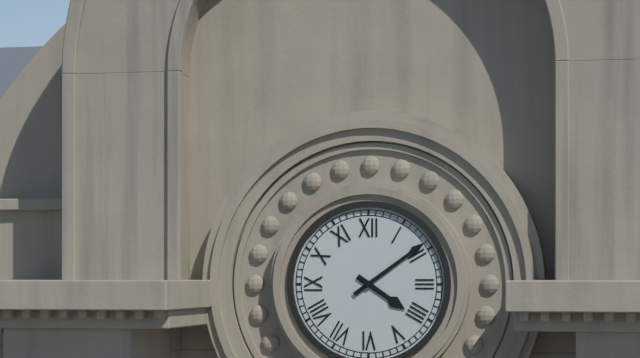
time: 4:09
